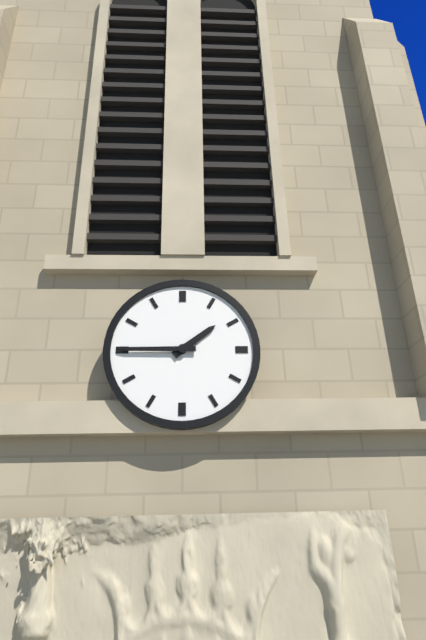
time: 1:45
